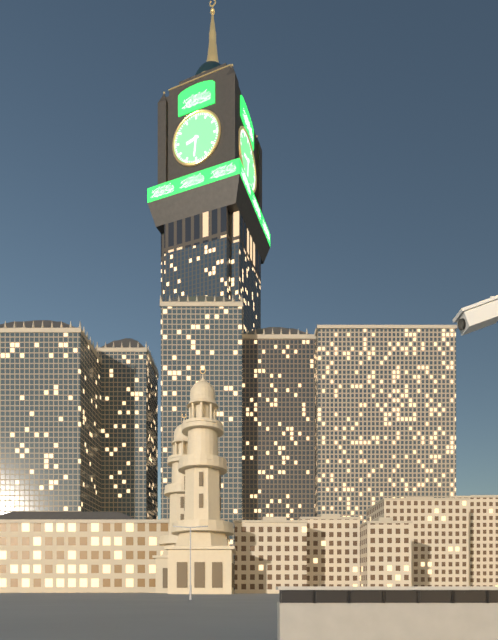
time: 8:31
